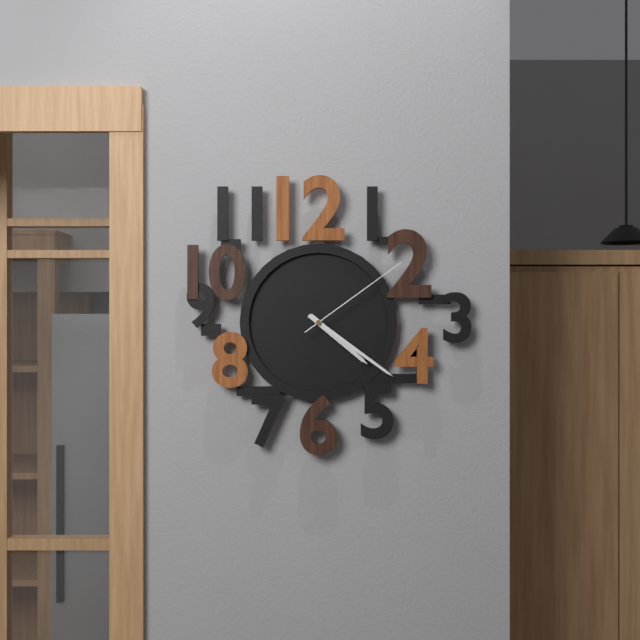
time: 4:21:09
